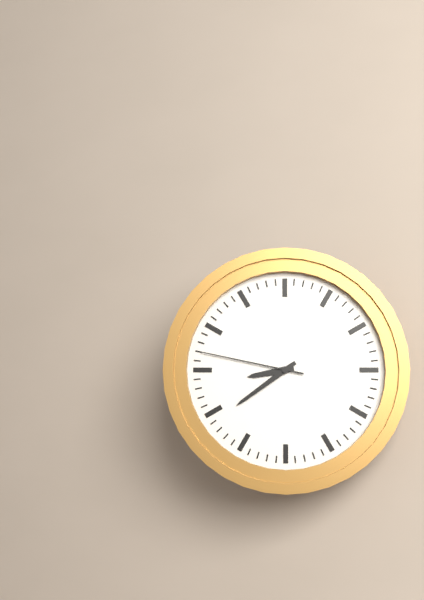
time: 8:39:47
